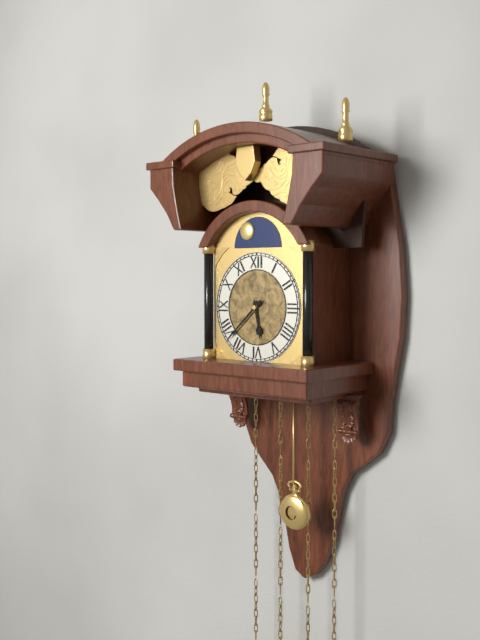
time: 5:38
